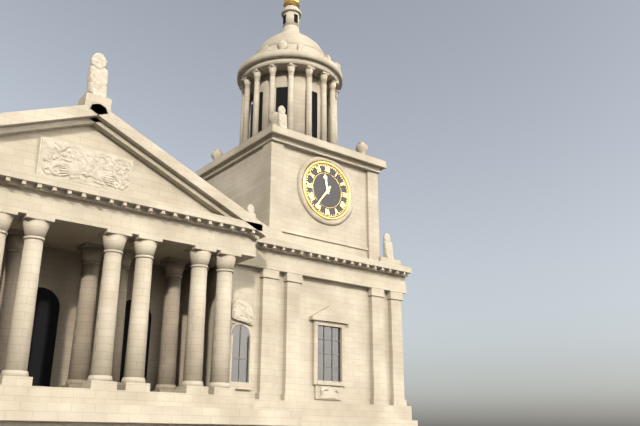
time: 11:36
